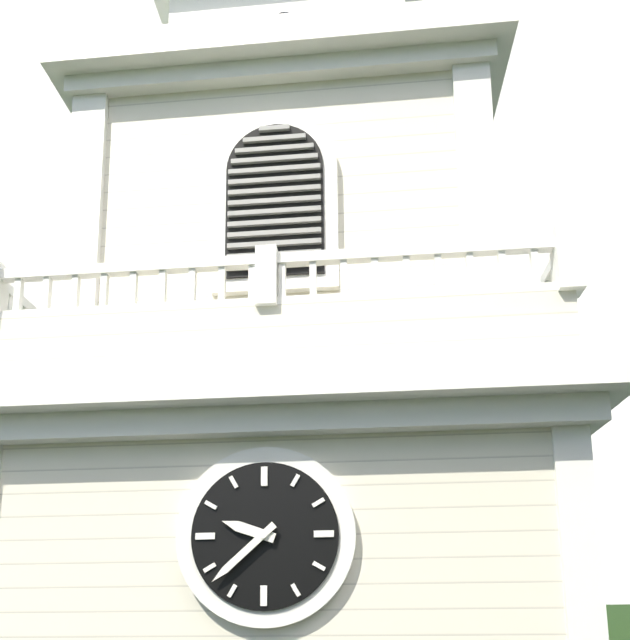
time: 9:38
